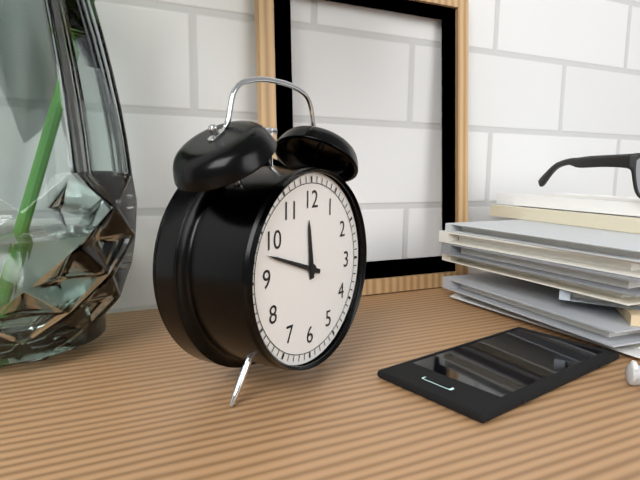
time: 11:48
